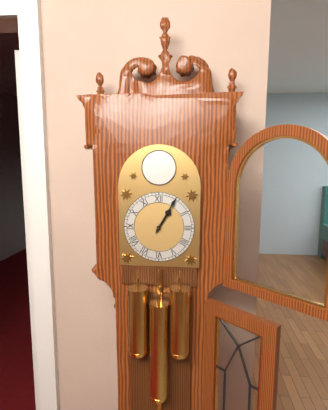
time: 1:05
